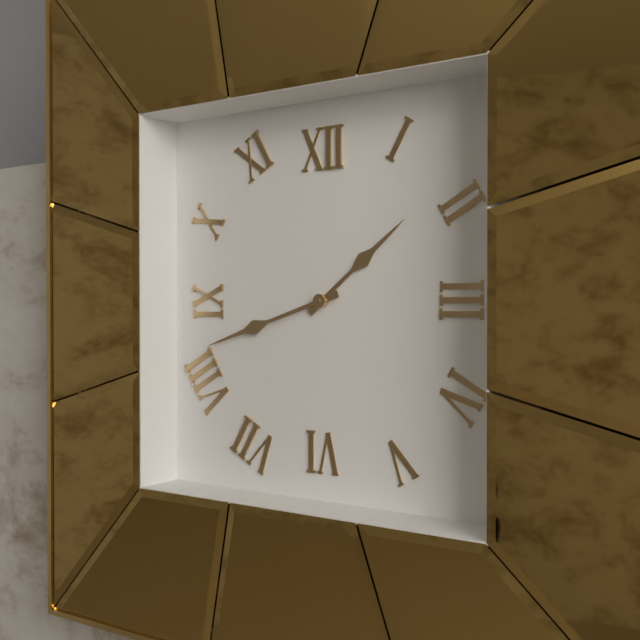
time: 1:42
